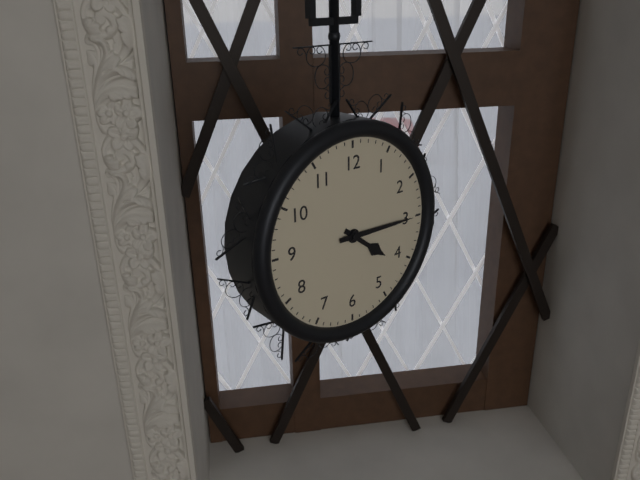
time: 4:15
